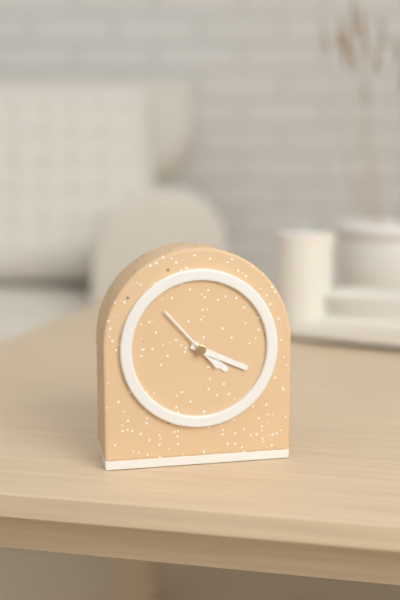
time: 4:19:53
